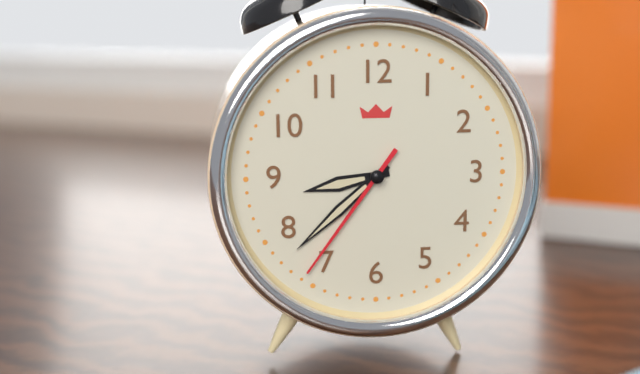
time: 8:38:36
